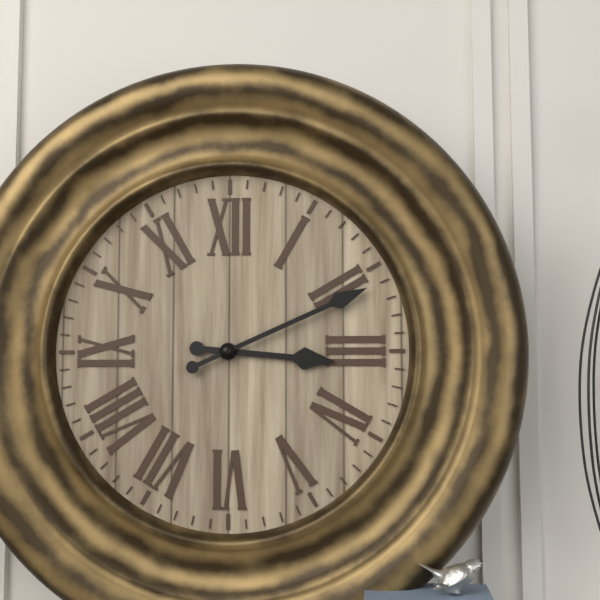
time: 3:11
